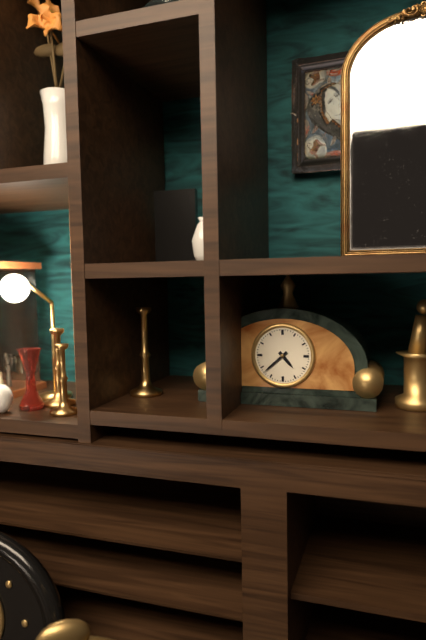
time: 4:38
